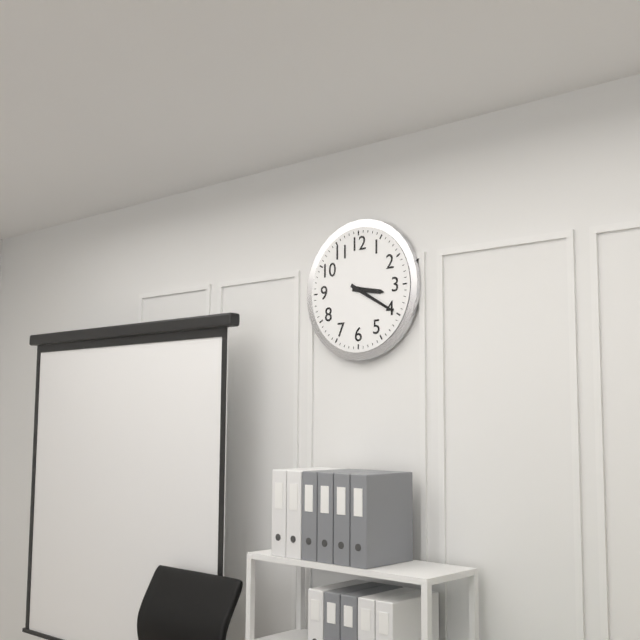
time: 3:20
